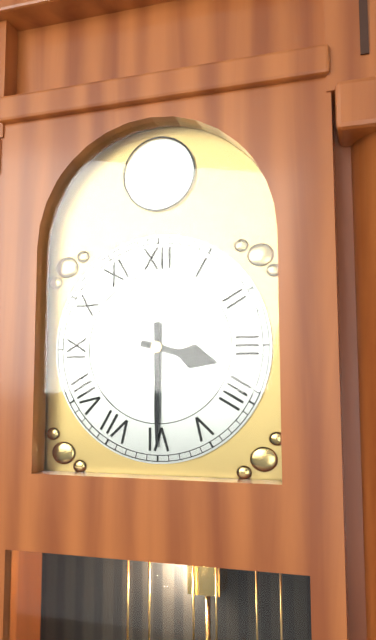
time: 3:30
